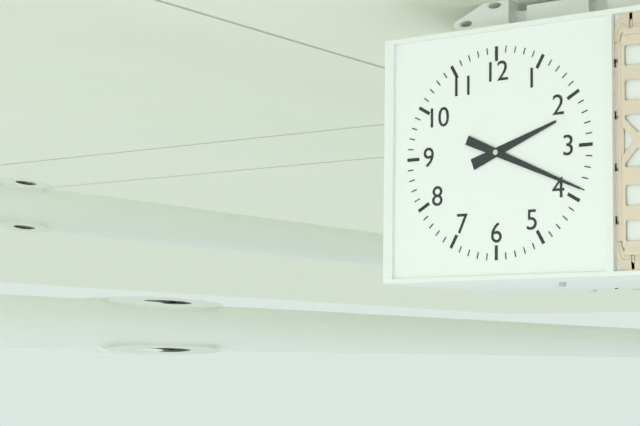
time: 2:19
